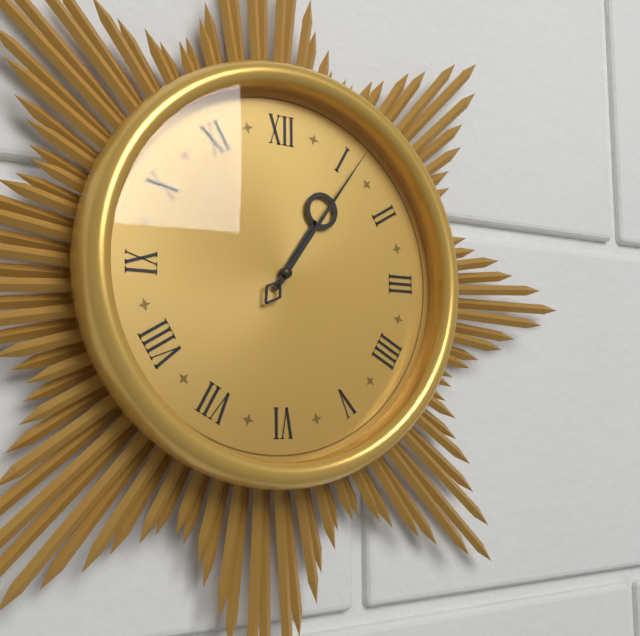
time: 1:06
